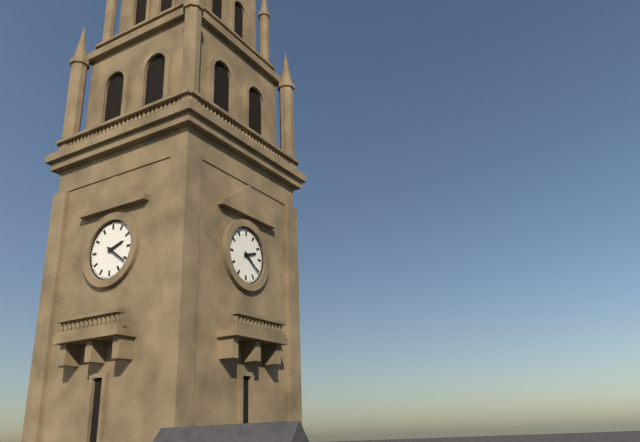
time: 2:21
